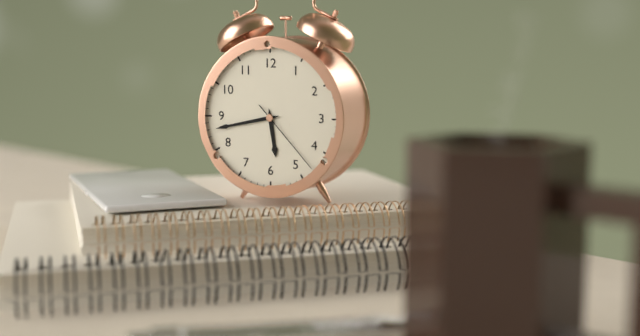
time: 5:43:23
